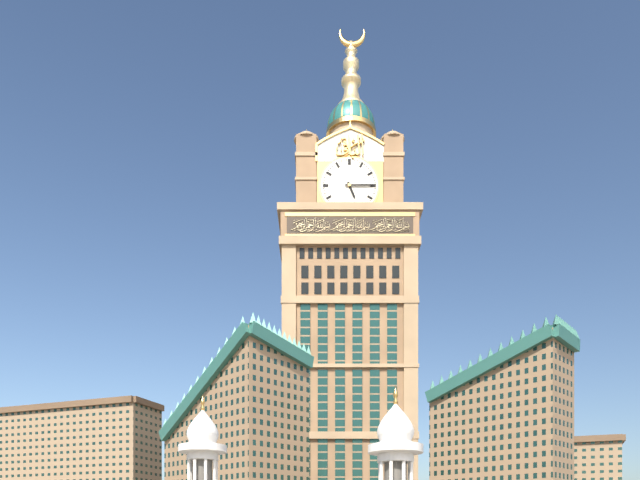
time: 5:15
